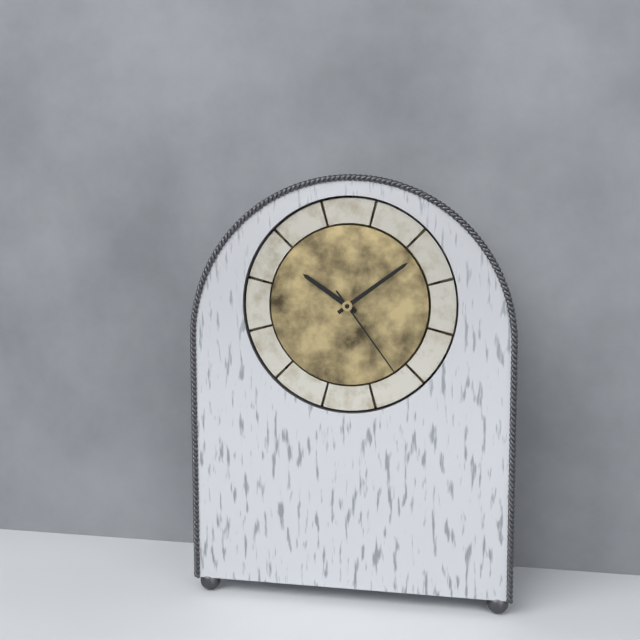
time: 10:09:24
